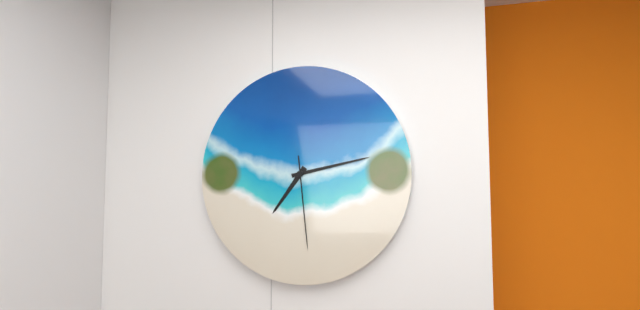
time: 7:13:29
